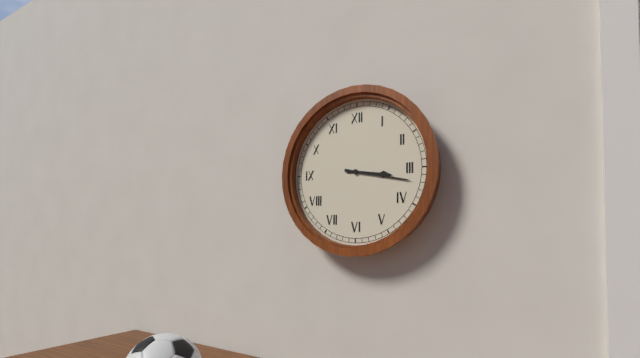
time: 3:17
